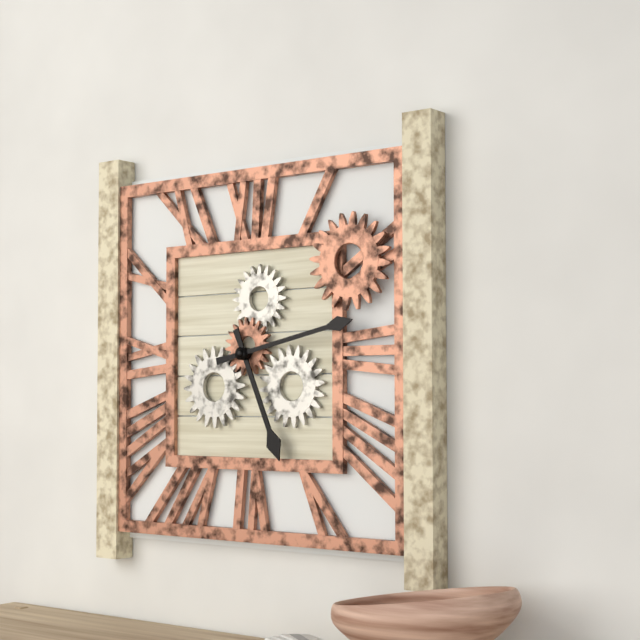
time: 5:13
